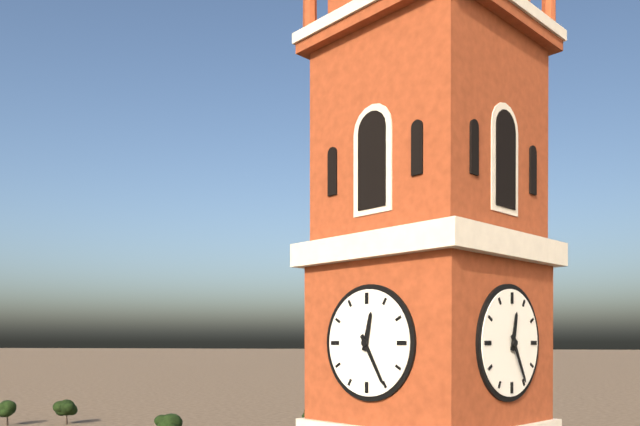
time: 12:25
